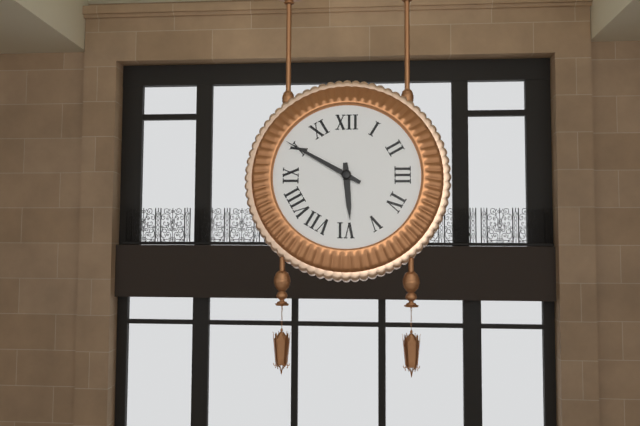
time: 5:50
